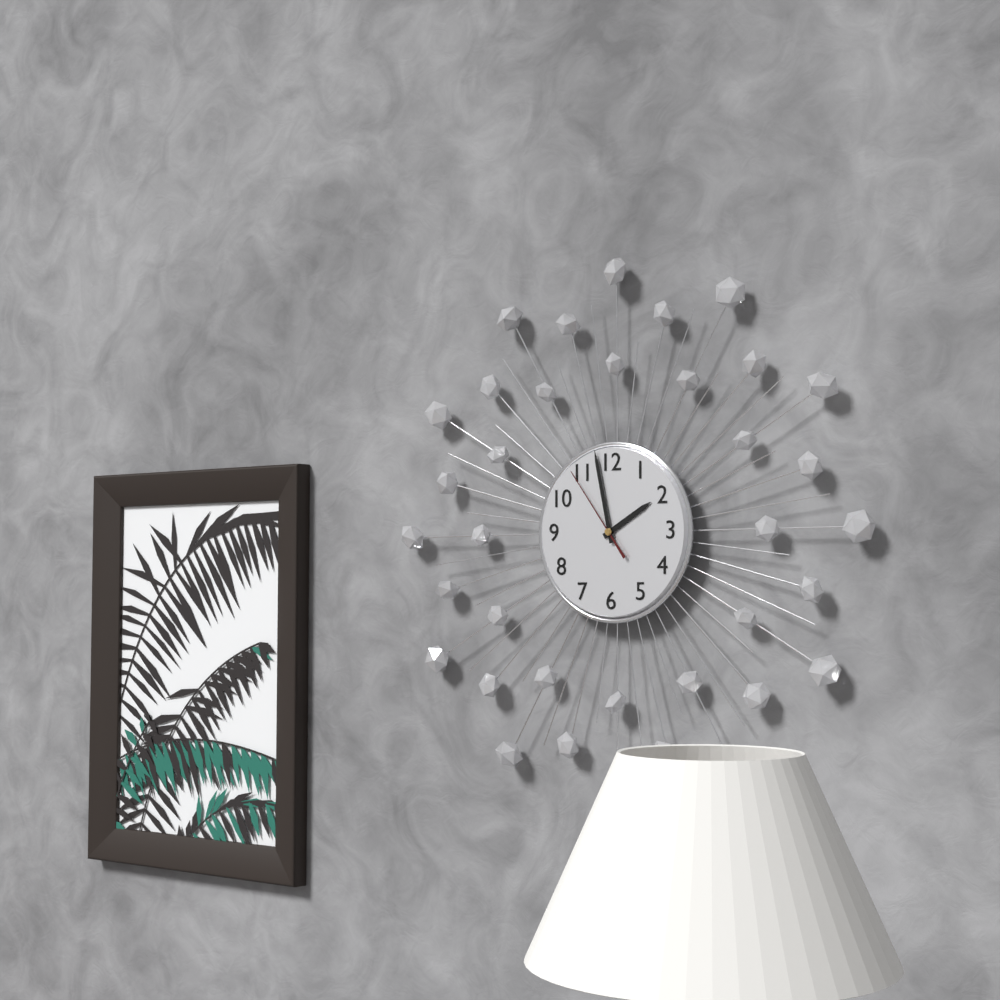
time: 1:58:54
